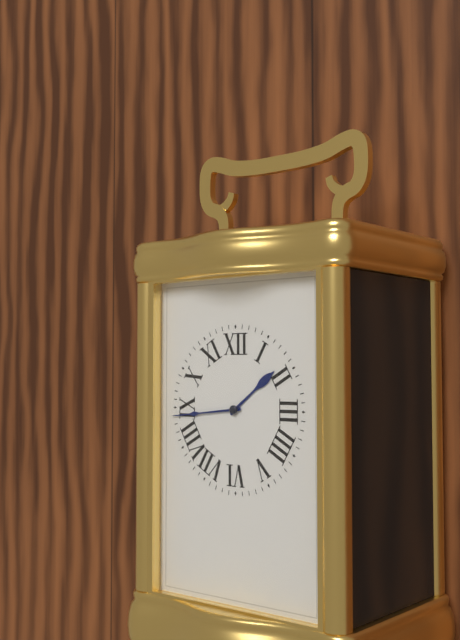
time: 1:44
